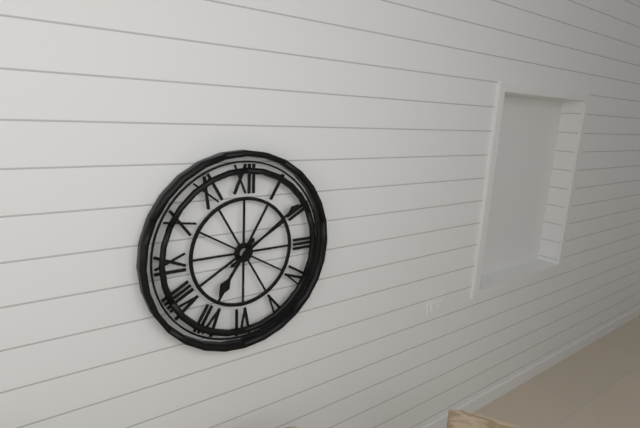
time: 7:09
